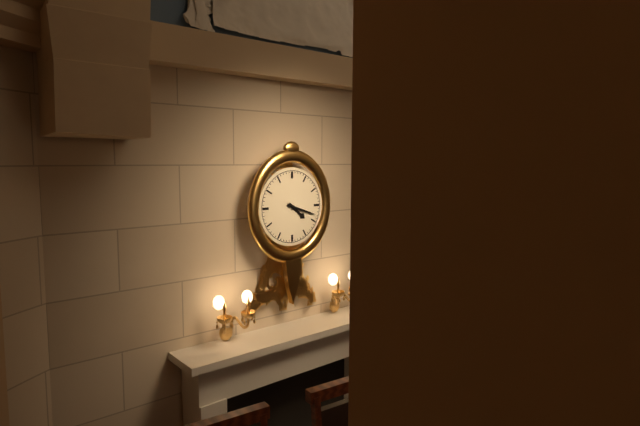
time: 4:18
